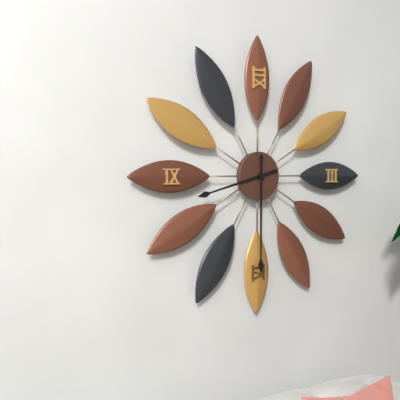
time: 8:30
